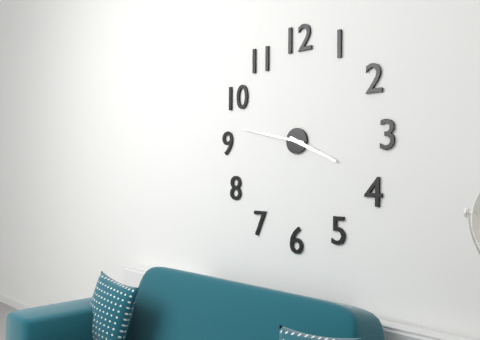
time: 3:47
